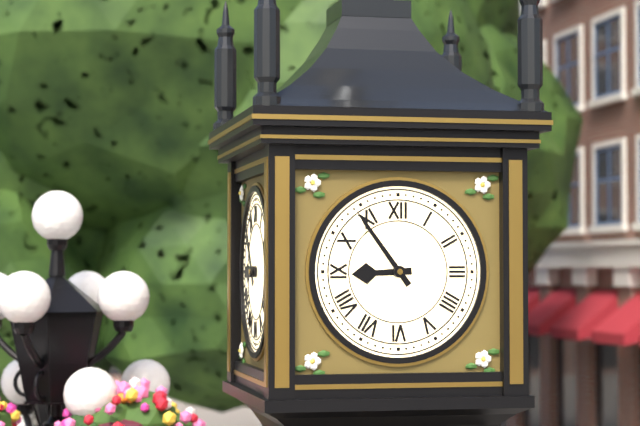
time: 8:54
